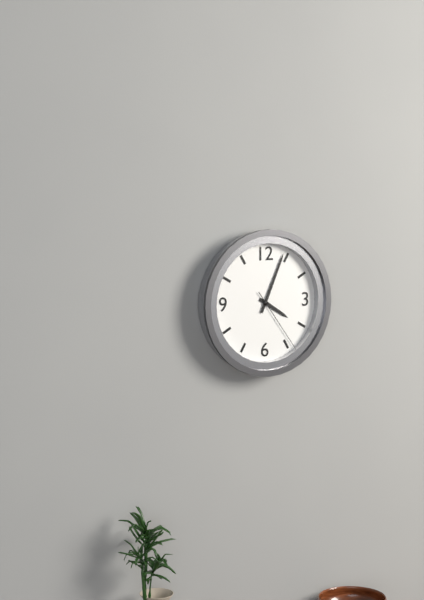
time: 4:04:24
